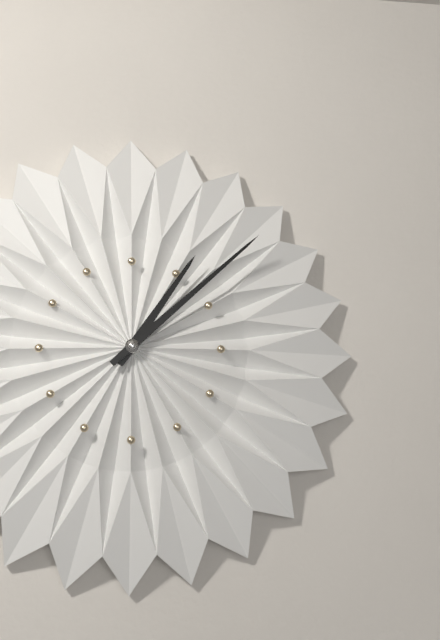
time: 1:08
